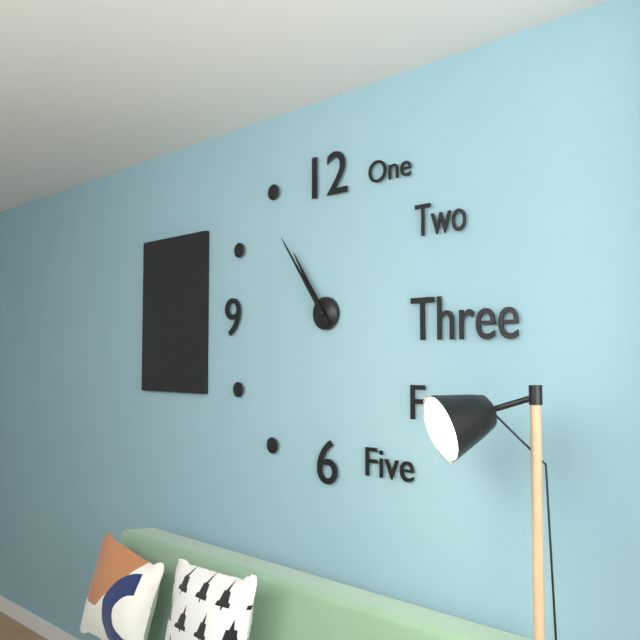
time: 10:54
